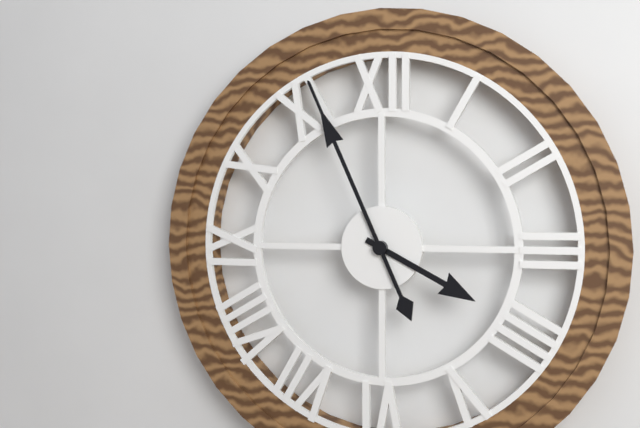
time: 3:56
